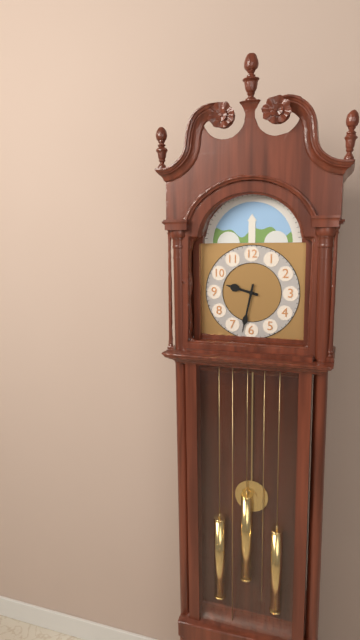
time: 9:32
